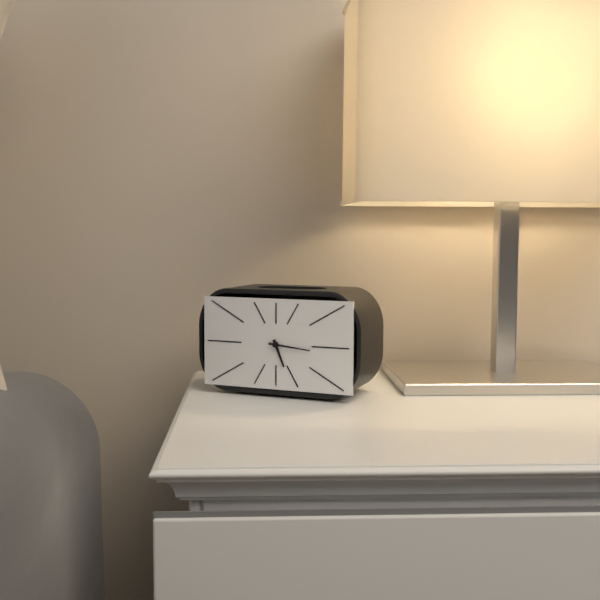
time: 5:16
